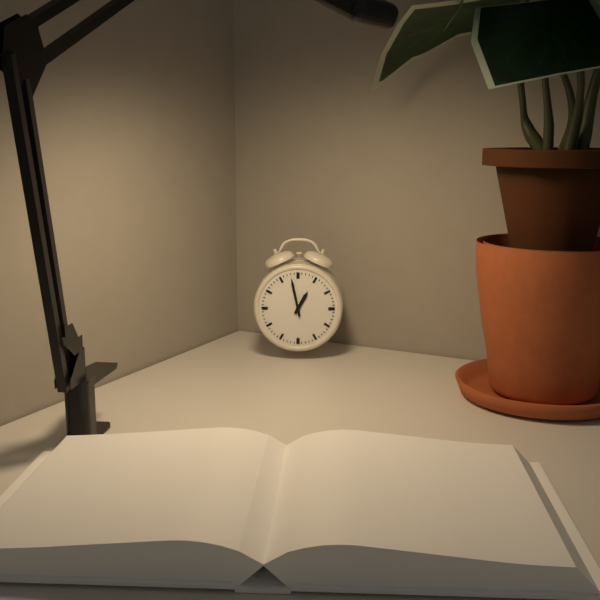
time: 12:58
